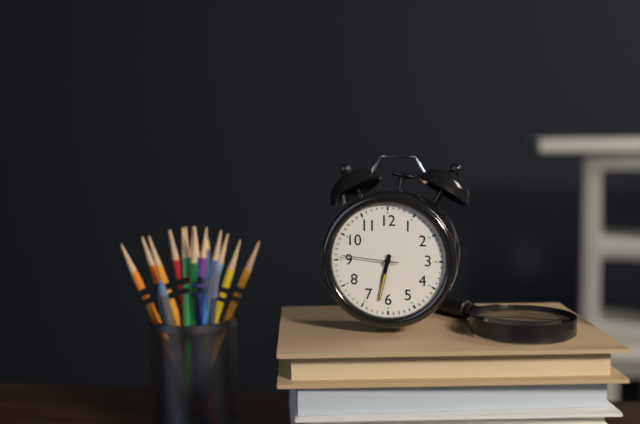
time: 6:32:46
